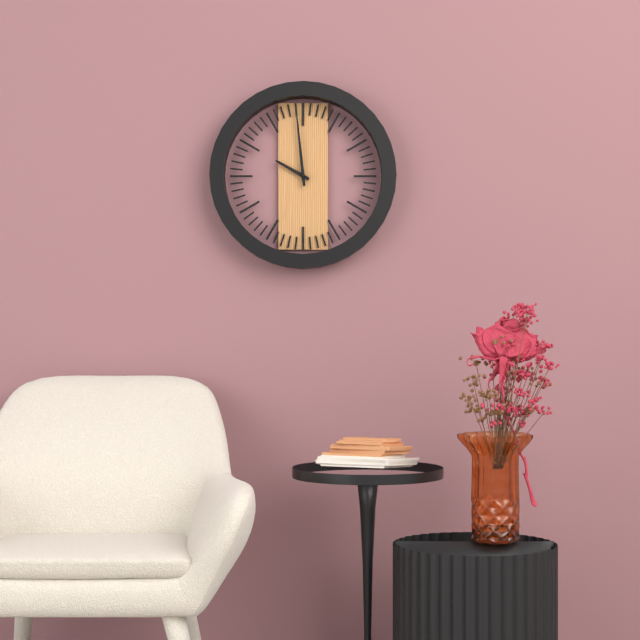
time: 9:59
